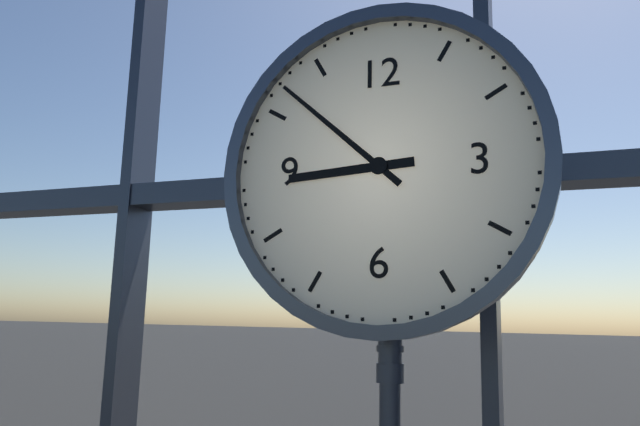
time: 8:52
